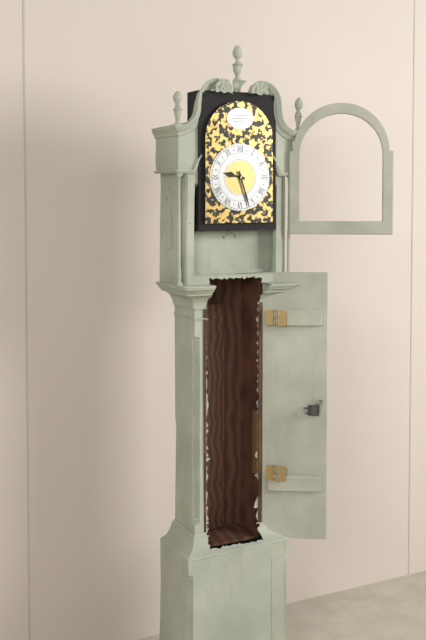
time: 9:27
